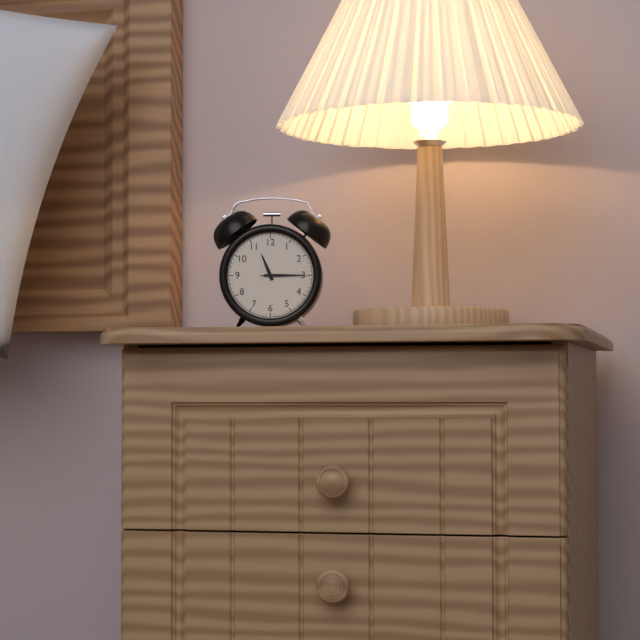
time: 11:15
